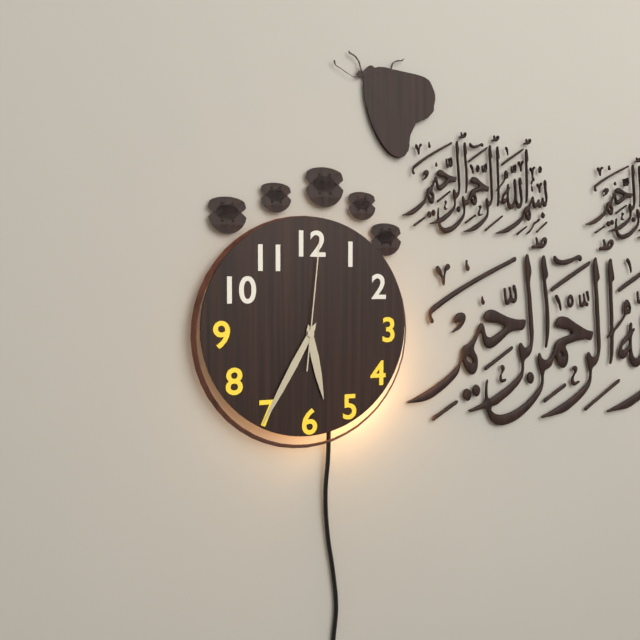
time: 5:35:01
